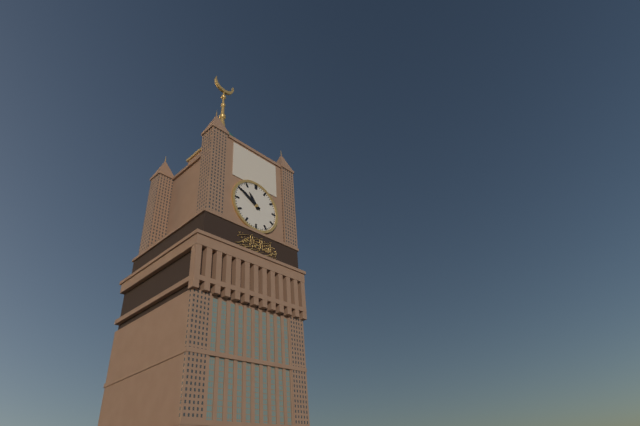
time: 10:50
